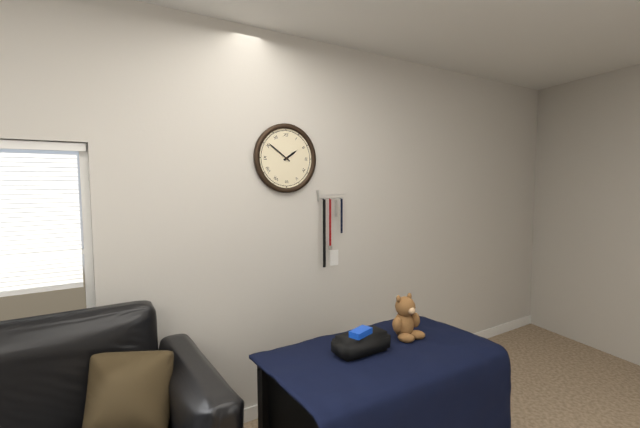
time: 1:51
